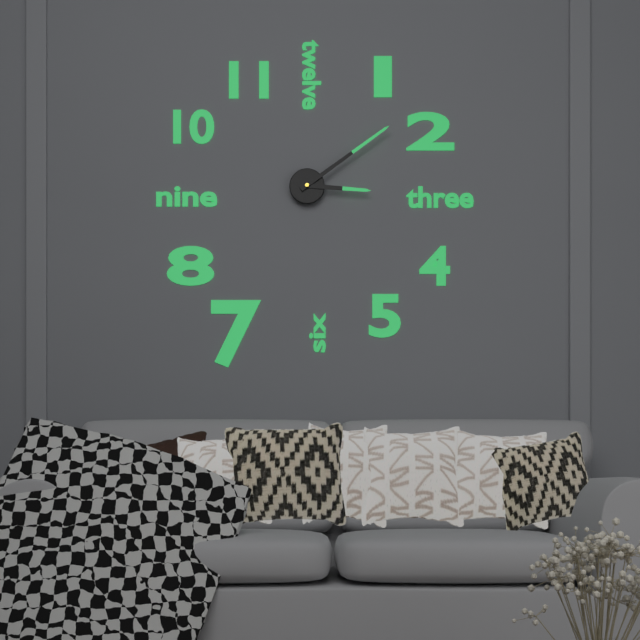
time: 3:09
